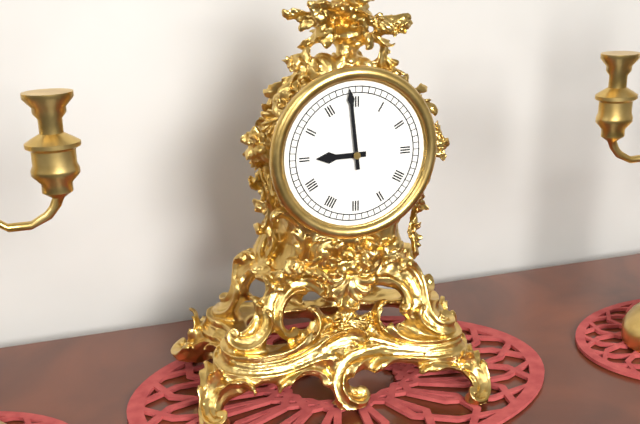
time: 8:59
